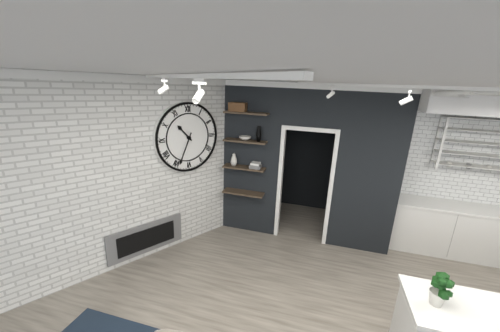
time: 10:34
